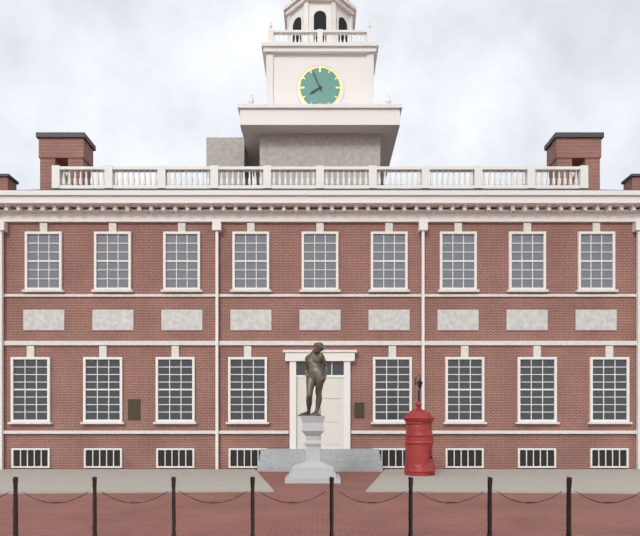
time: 7:56
